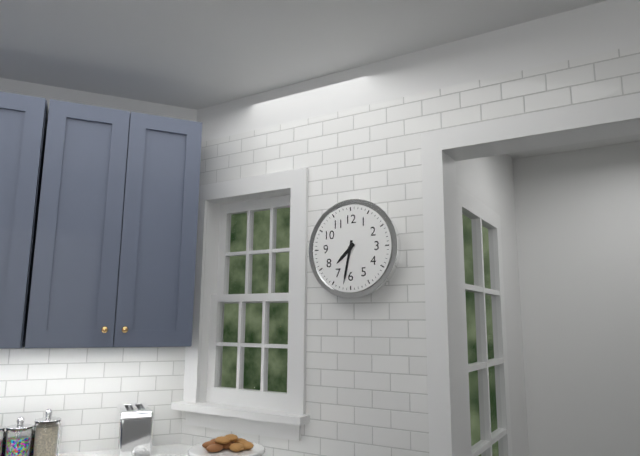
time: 7:32
